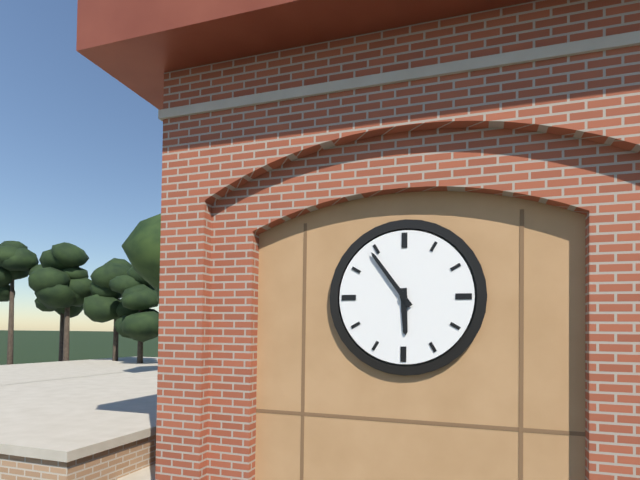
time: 5:54
